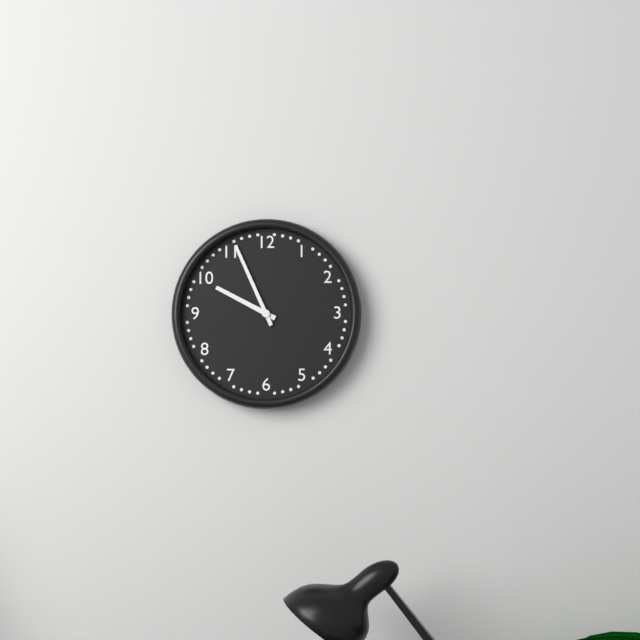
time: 9:56
